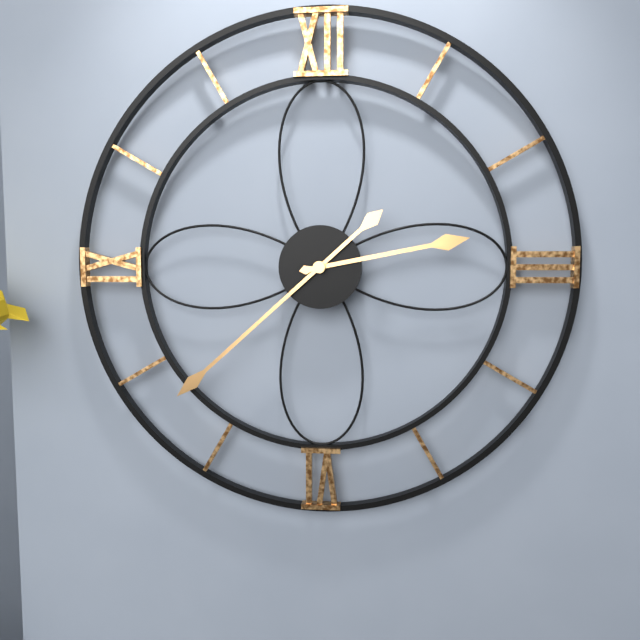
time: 2:38
